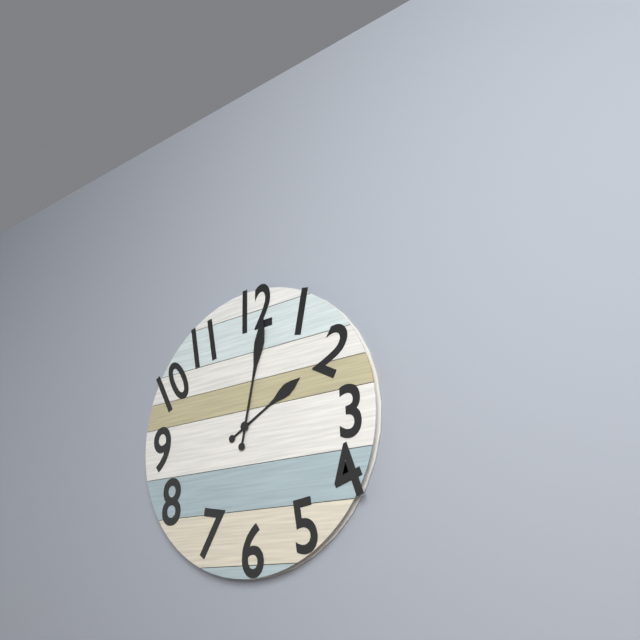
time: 2:02
